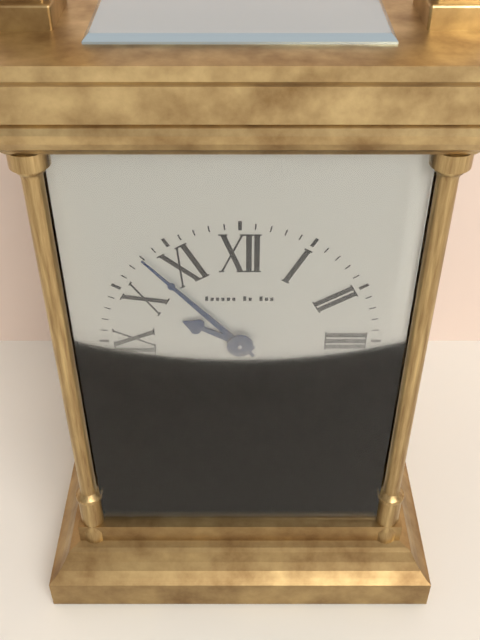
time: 9:53
